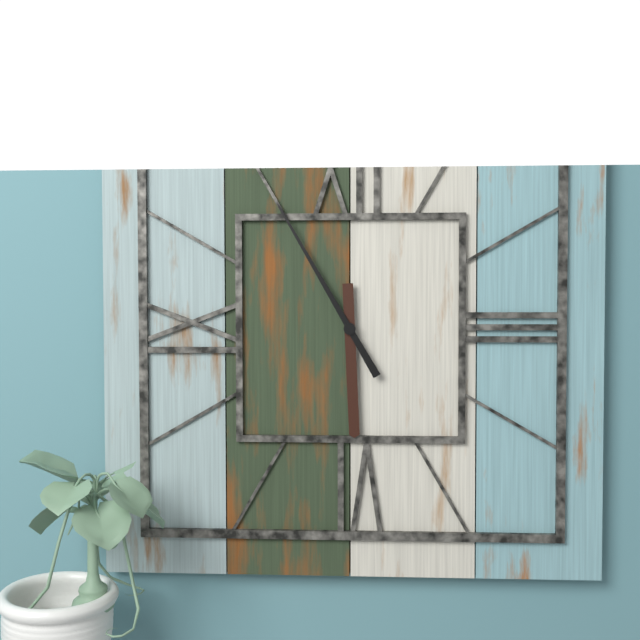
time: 5:55
